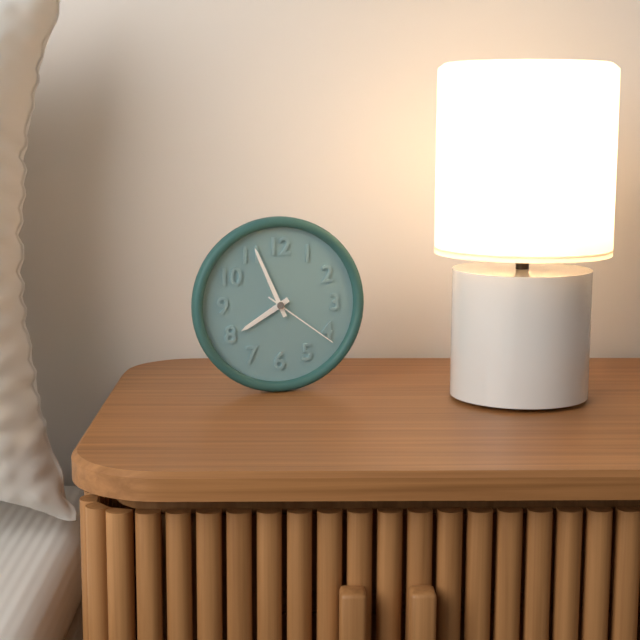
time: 7:56:21
